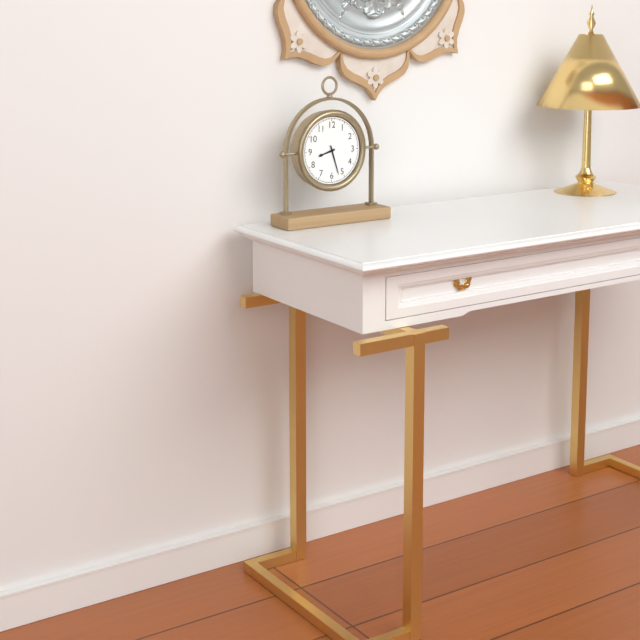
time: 8:27
